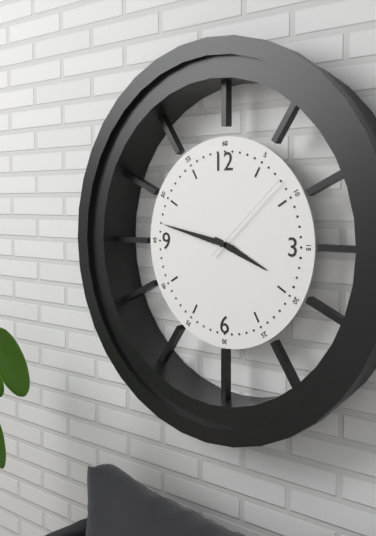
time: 3:47:08
